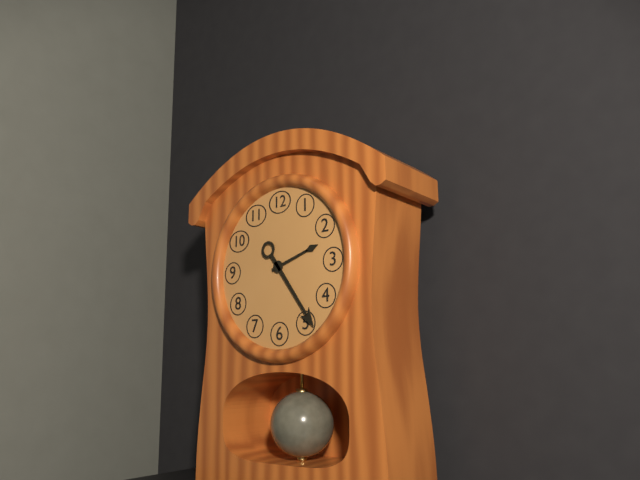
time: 2:24
